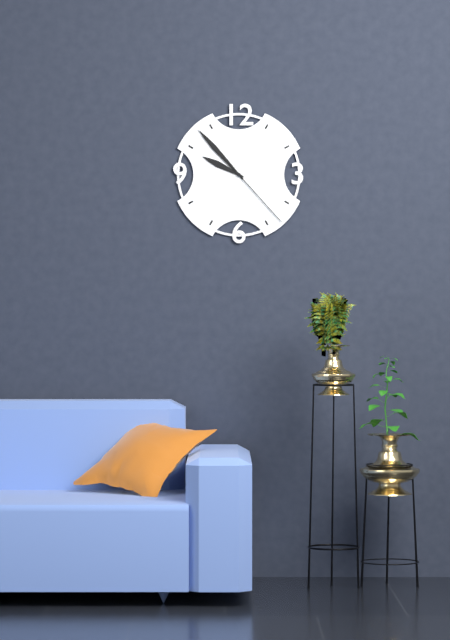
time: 9:53:23
